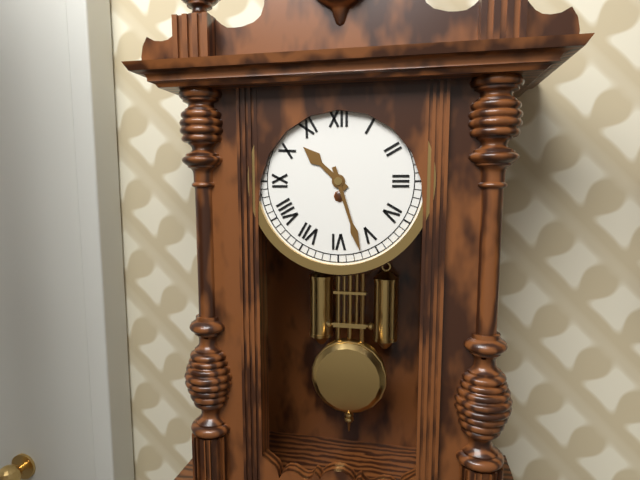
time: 10:27
